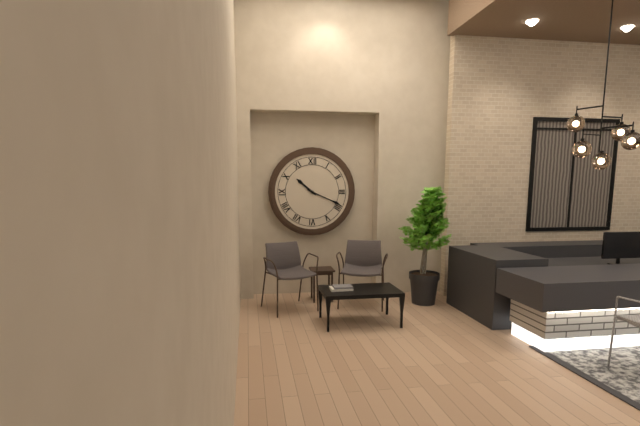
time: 10:19
